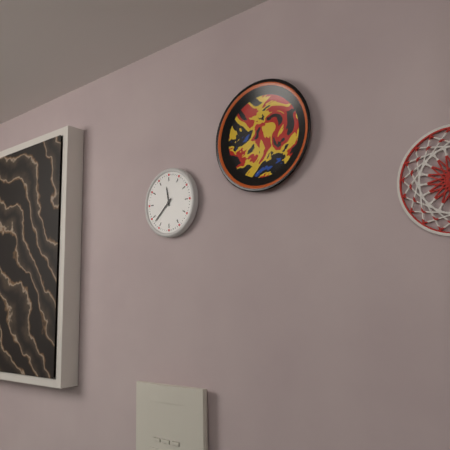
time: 11:38
